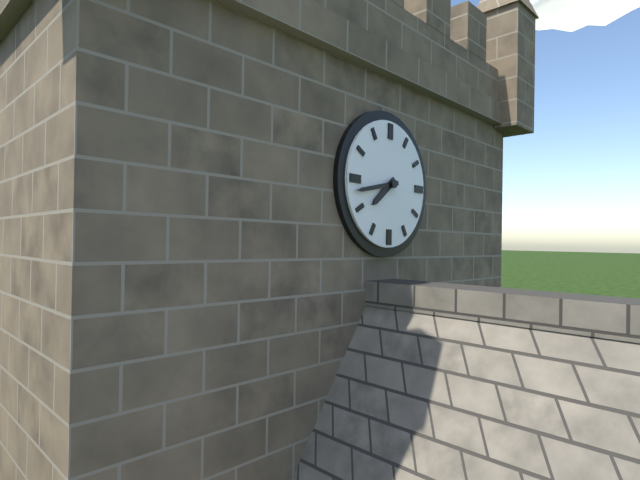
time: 7:43
